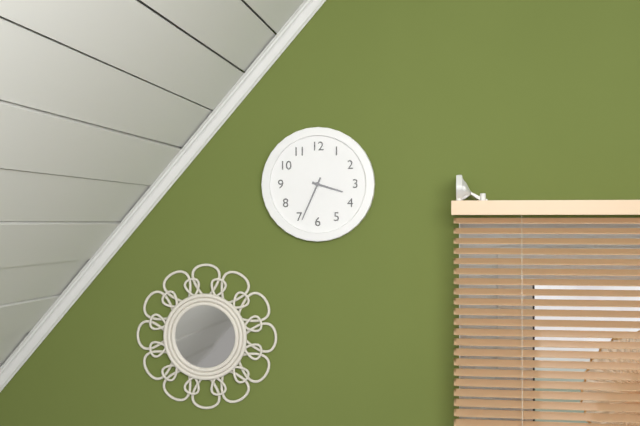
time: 3:34
